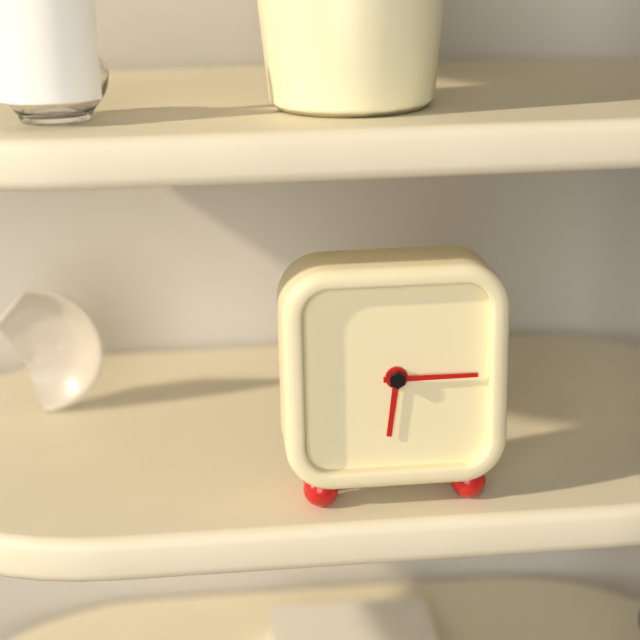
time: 6:15
